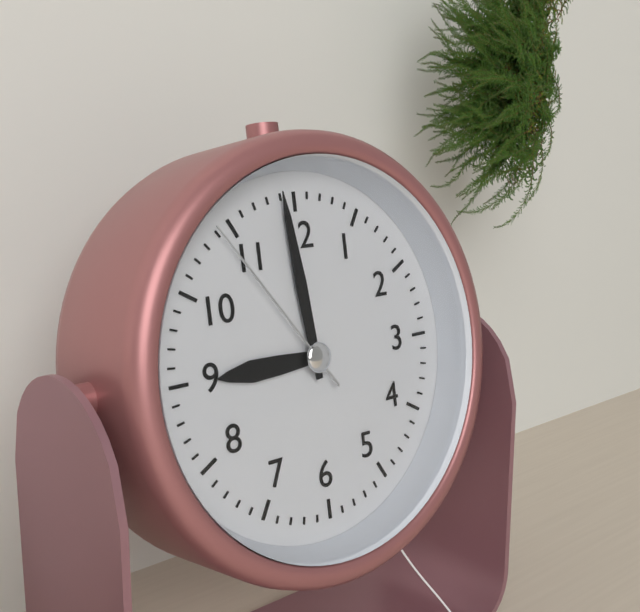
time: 8:59:54
